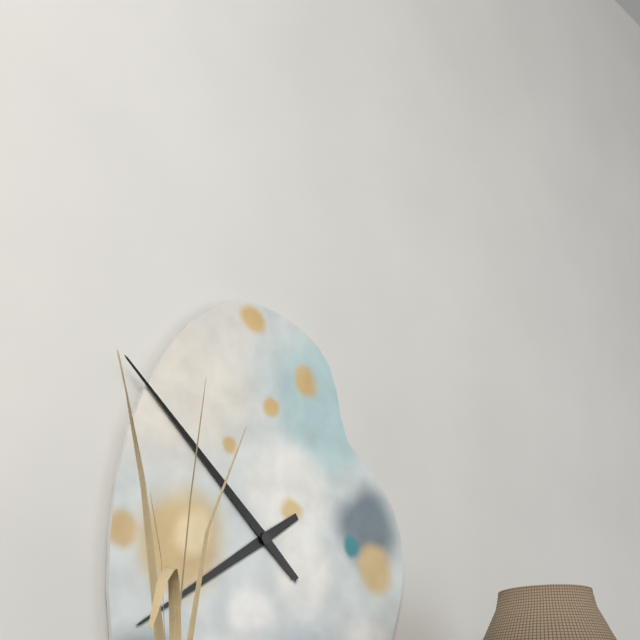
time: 7:52
